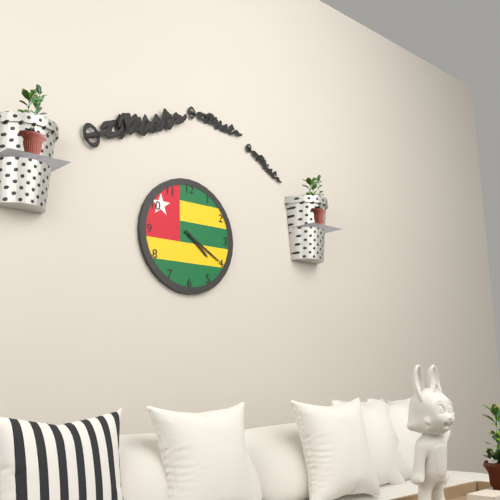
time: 4:20
